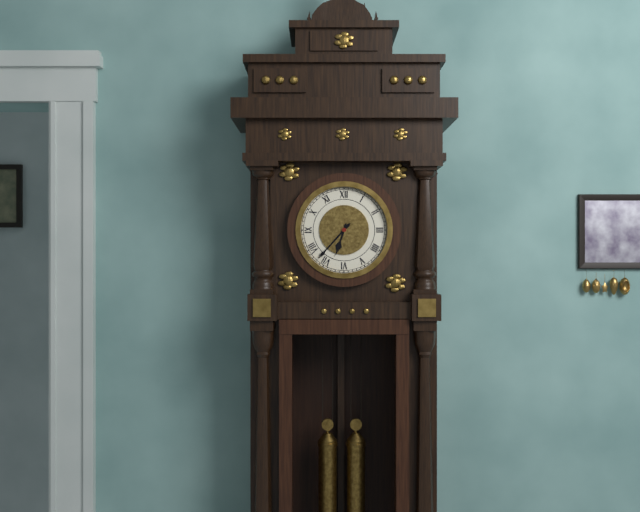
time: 6:37
